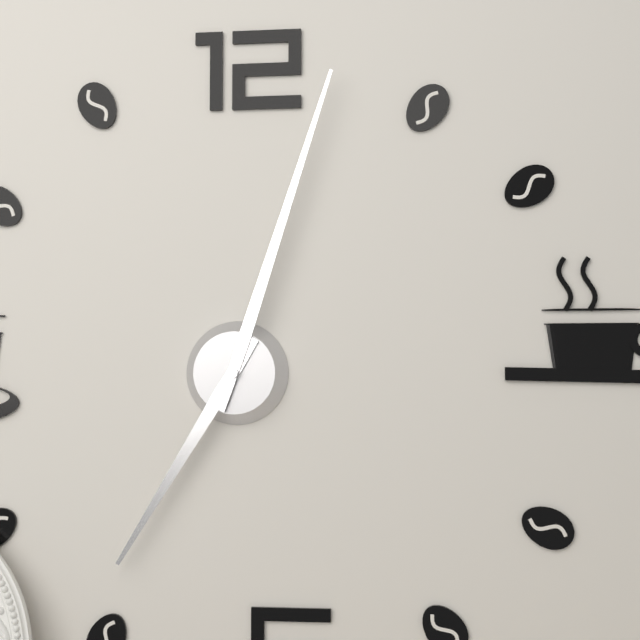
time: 7:03
